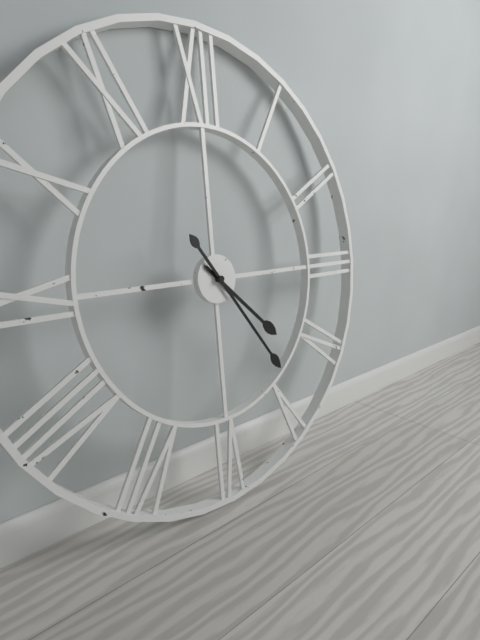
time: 4:24
